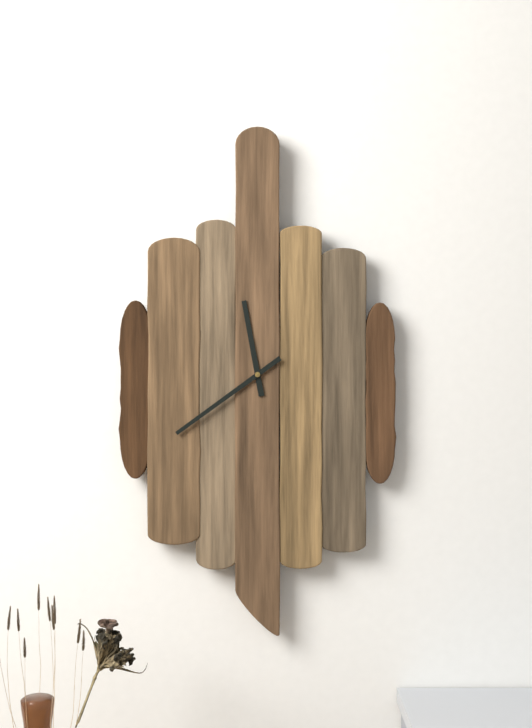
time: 11:39
